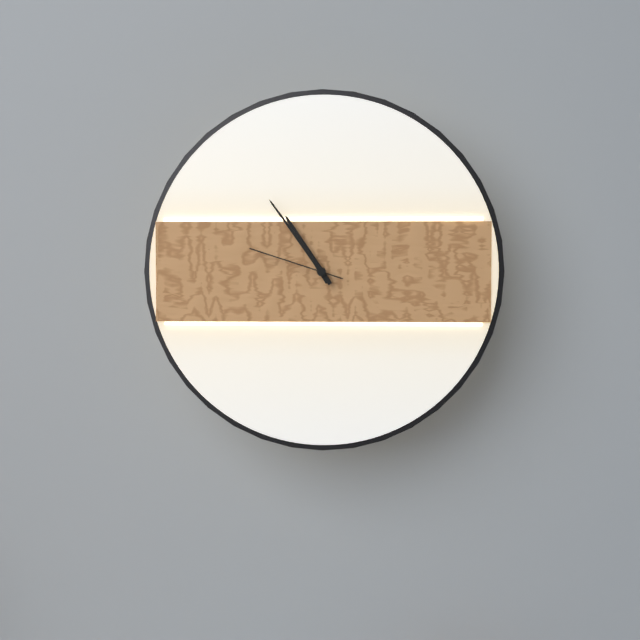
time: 10:54:48
